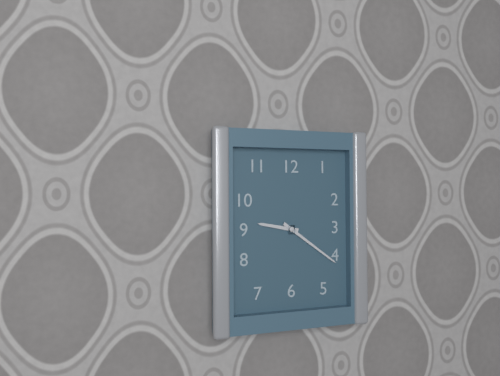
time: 9:21
